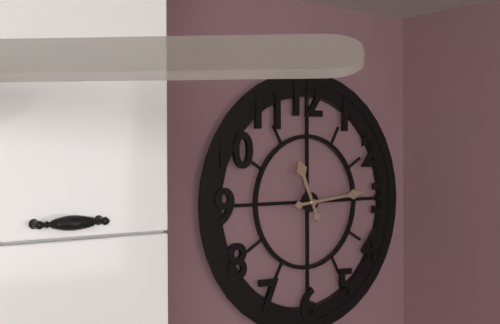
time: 11:14
